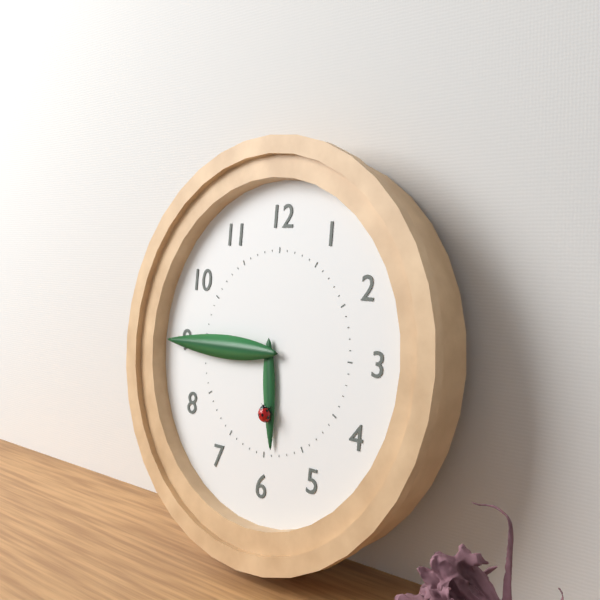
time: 5:45
